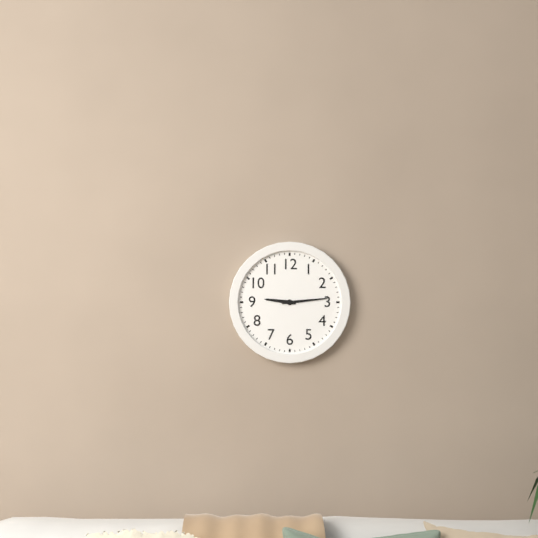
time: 9:14
